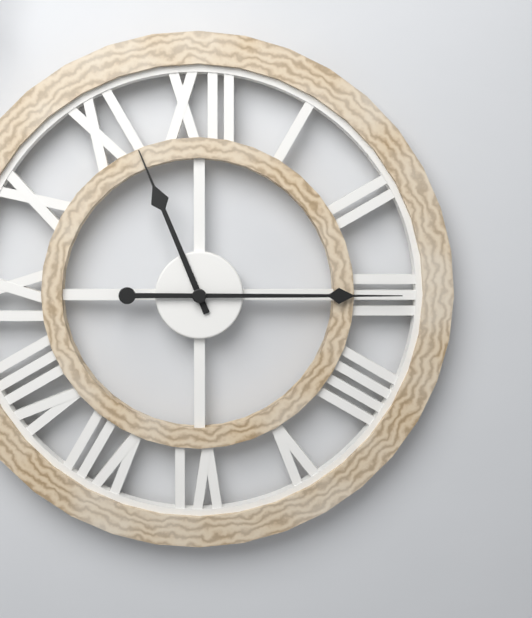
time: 11:15
